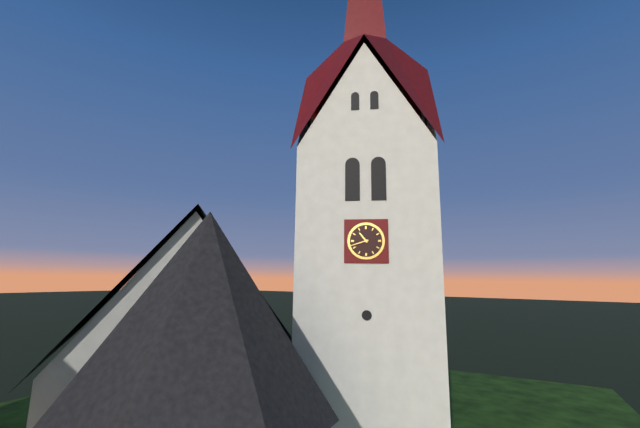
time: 10:42
